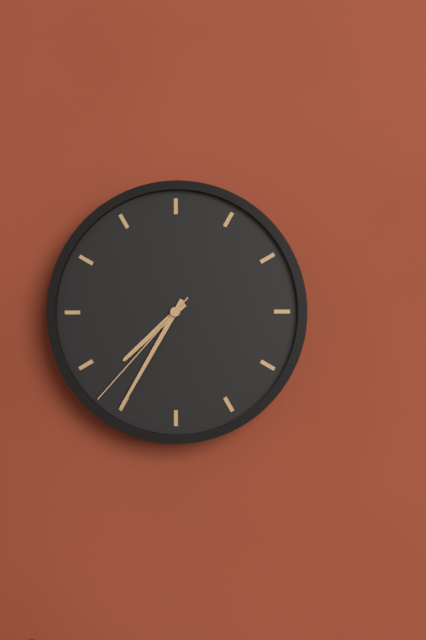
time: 7:35:37
